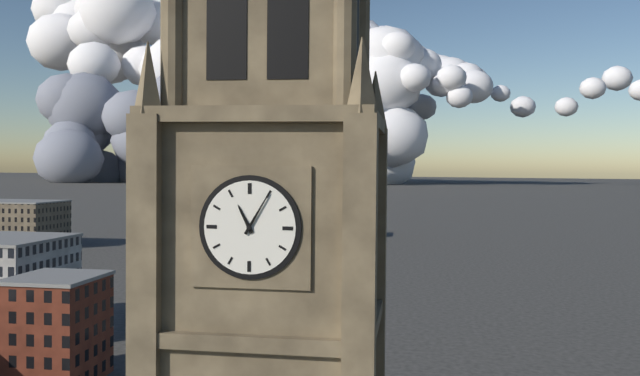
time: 11:05
